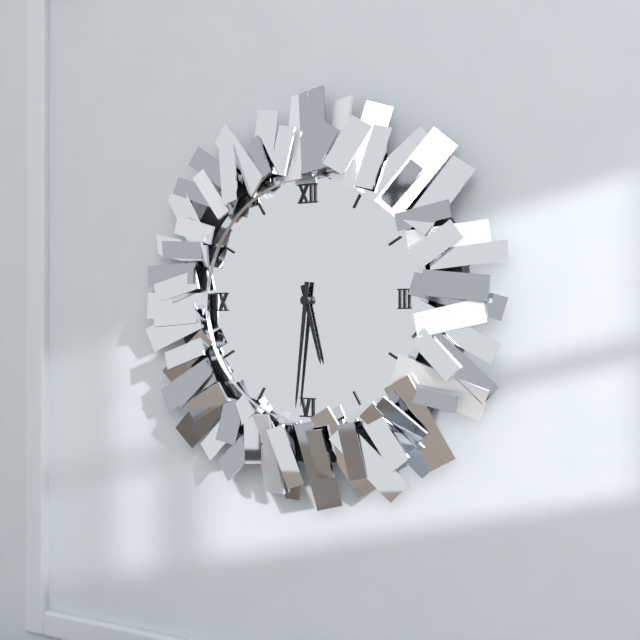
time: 5:31
